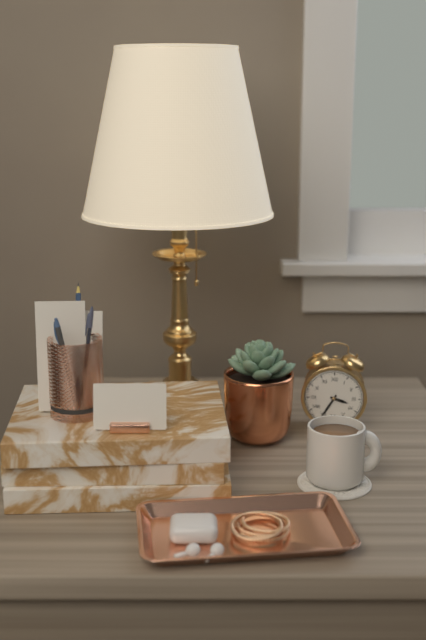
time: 3:35
